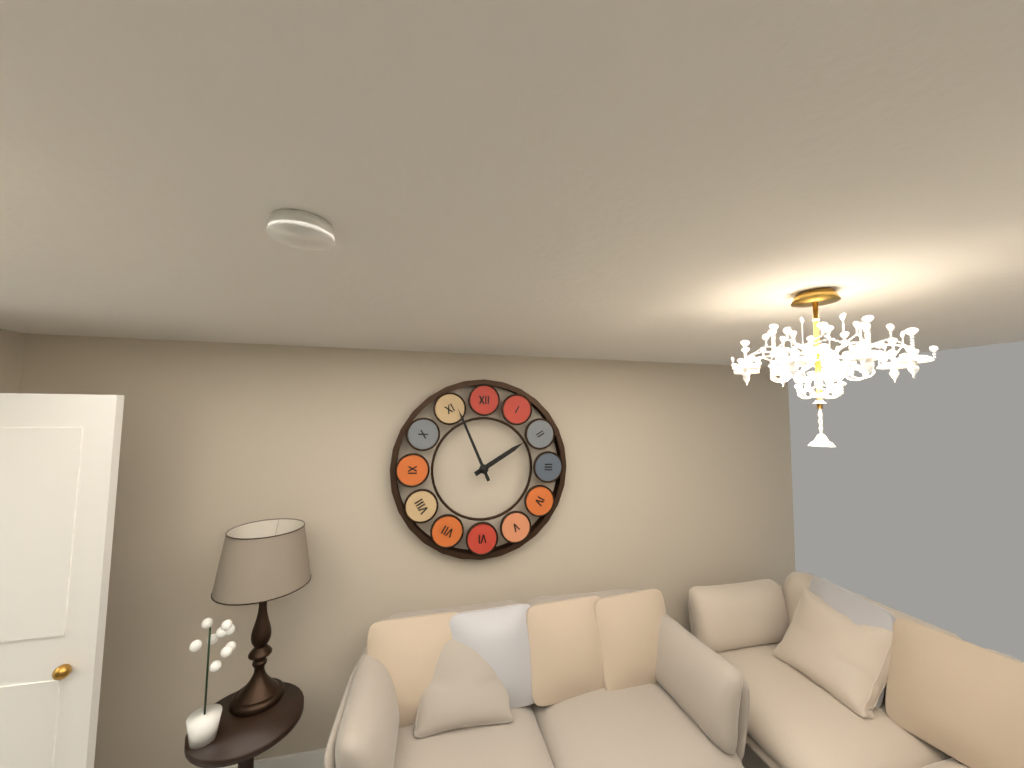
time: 1:56
